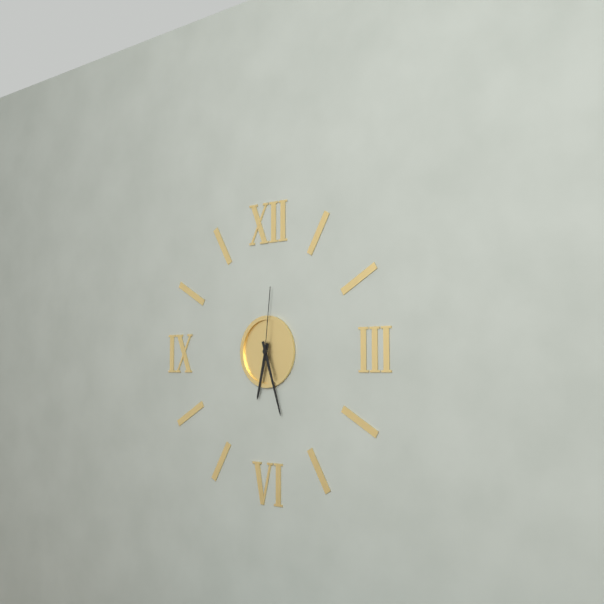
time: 6:27:01
